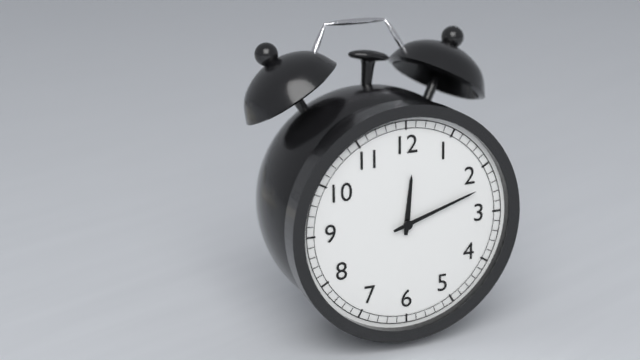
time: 12:12
